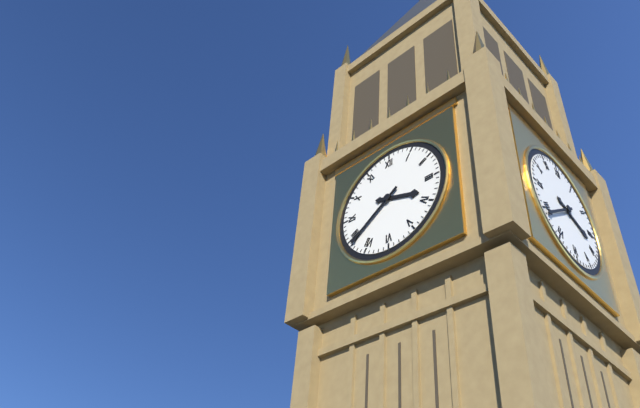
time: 3:39
